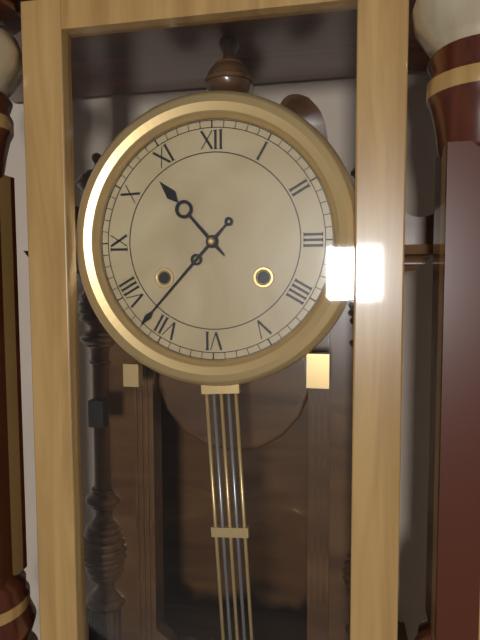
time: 10:37
